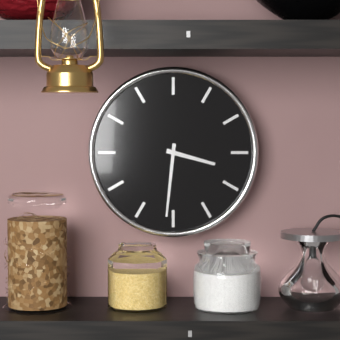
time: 3:31
